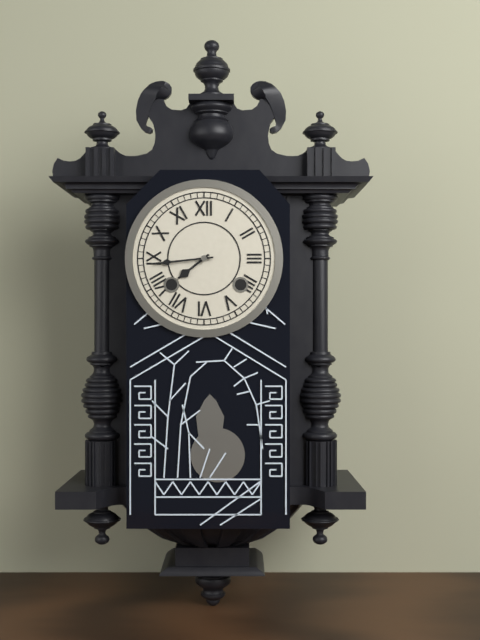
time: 7:44
